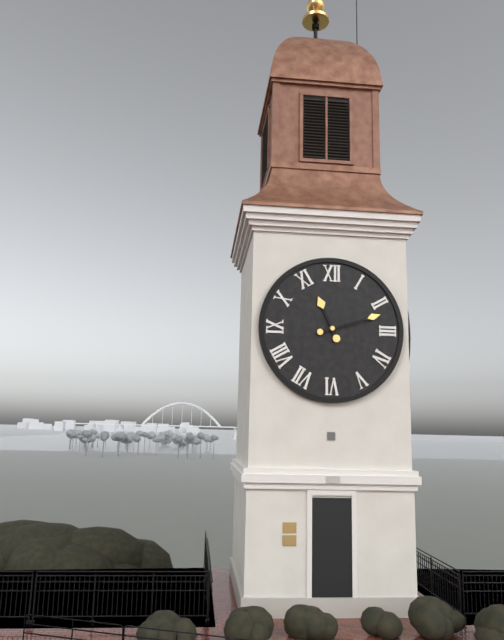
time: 11:12
